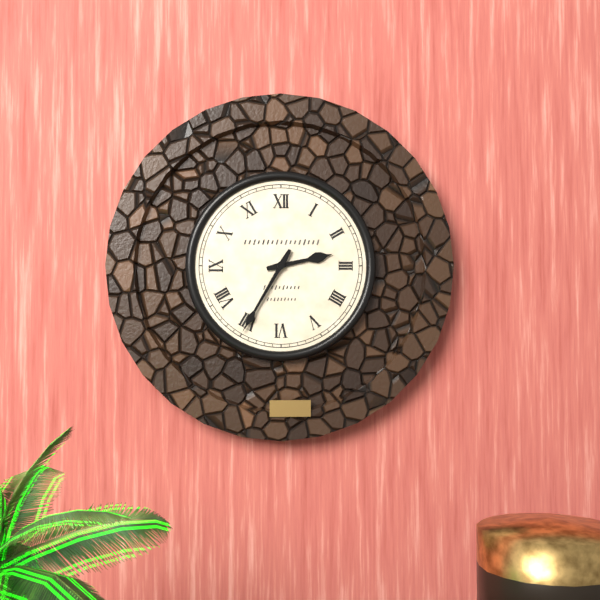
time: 2:35
